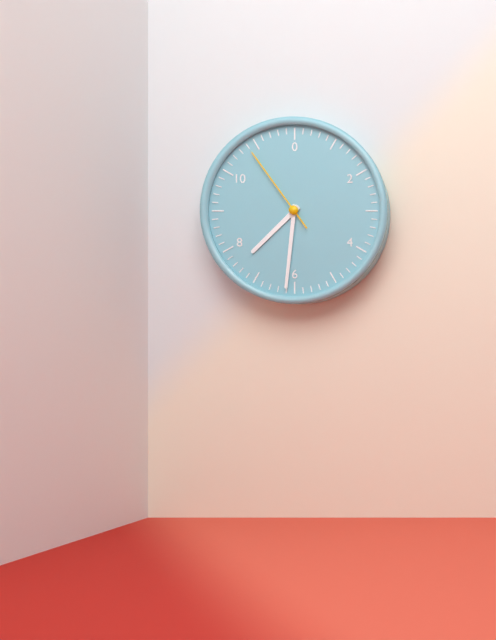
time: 7:31:54
